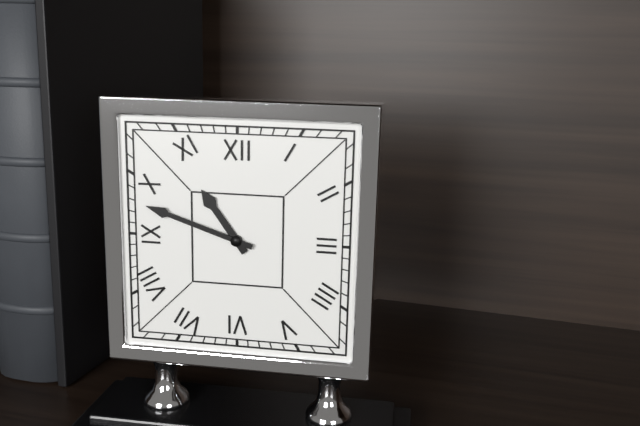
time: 10:48
